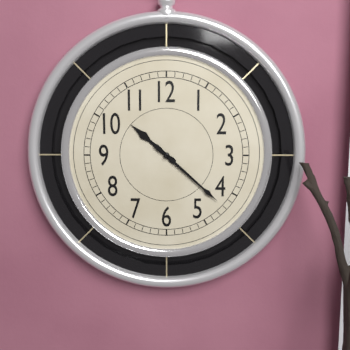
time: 10:22
